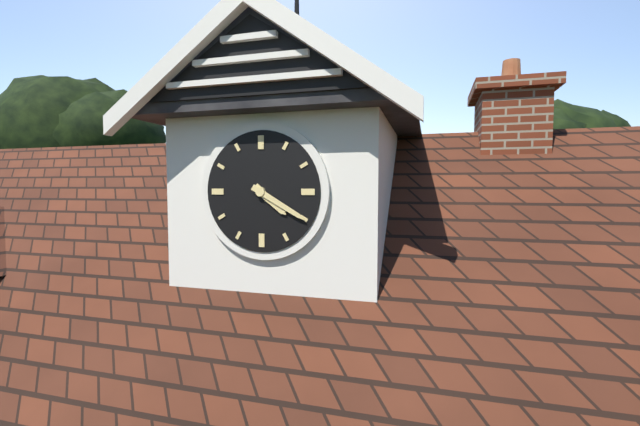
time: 4:20
